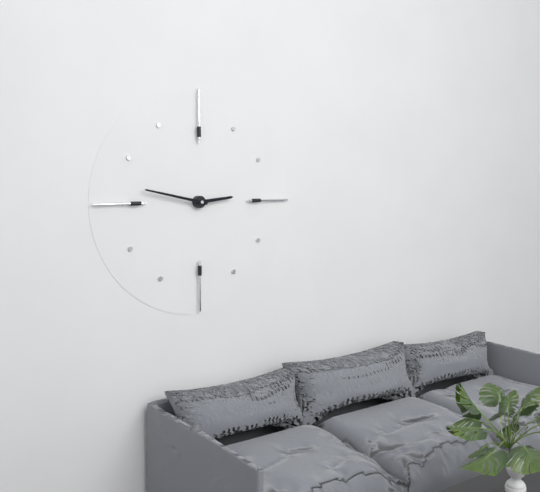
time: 2:47
